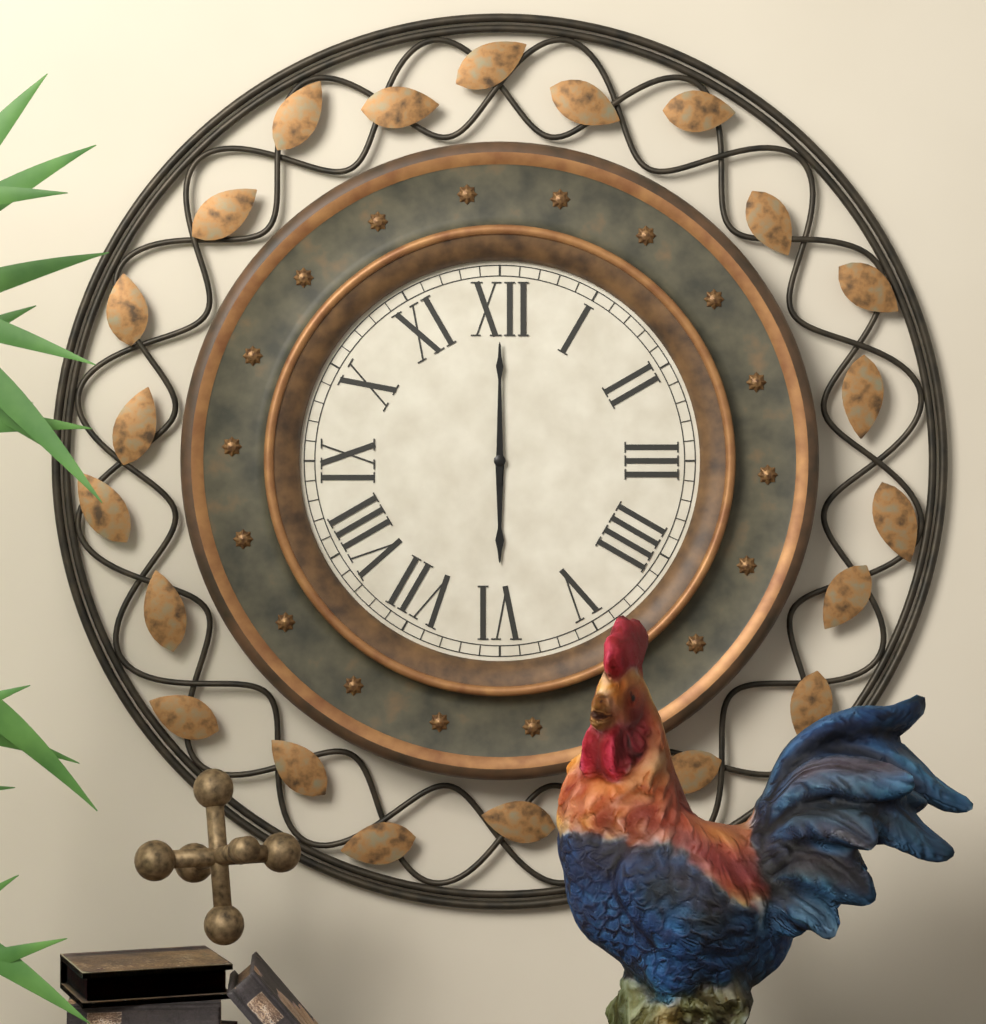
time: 6:00
